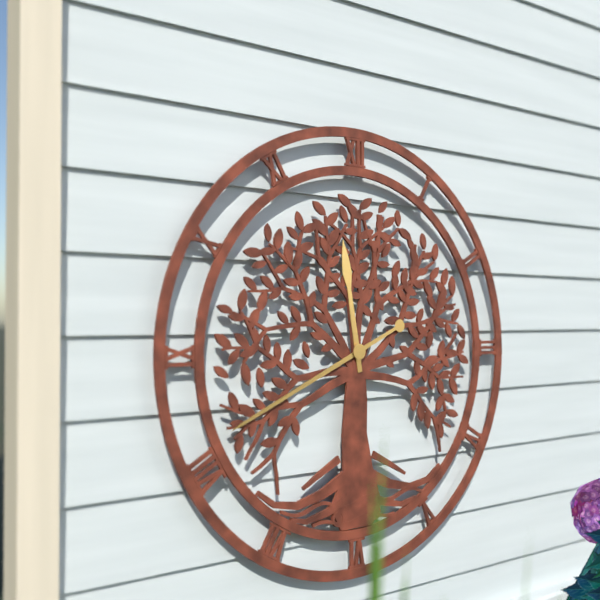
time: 11:41
